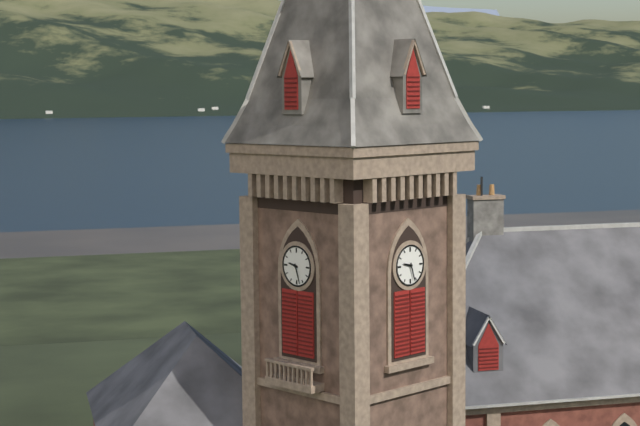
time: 9:27
